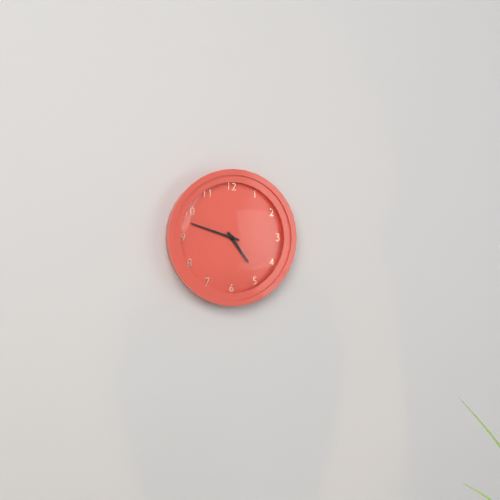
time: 4:48
